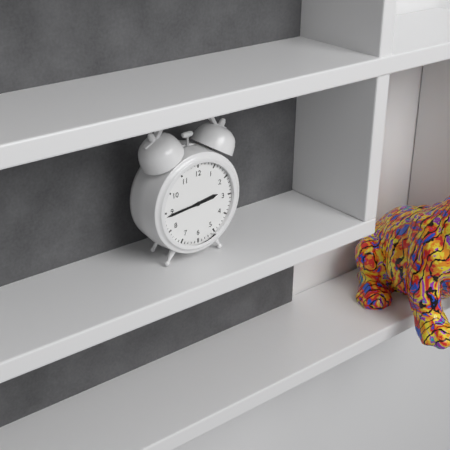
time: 2:44
